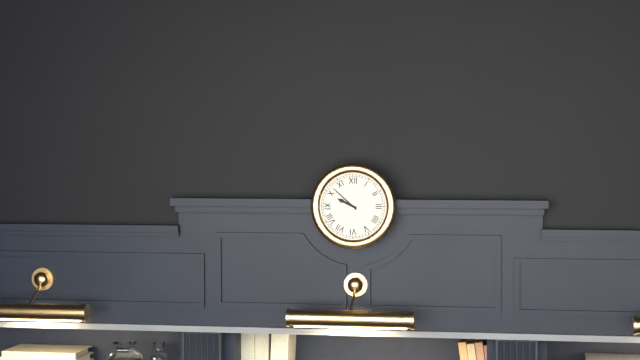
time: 9:52
